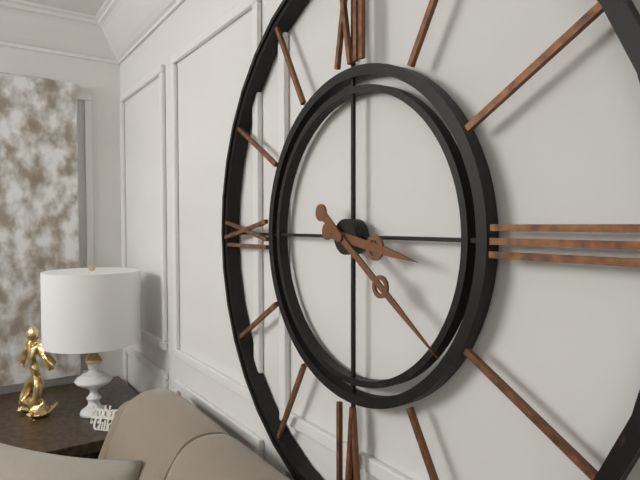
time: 3:21
